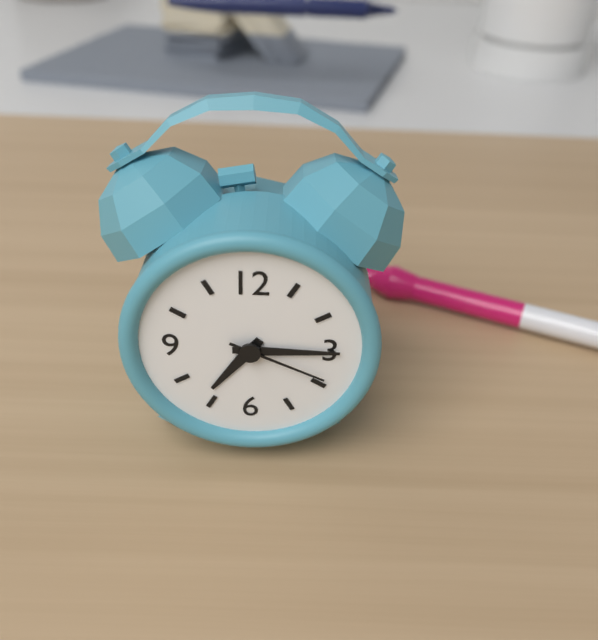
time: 7:15:19
